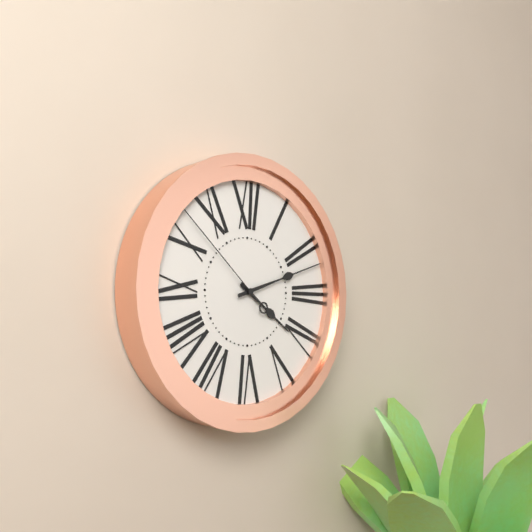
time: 4:12:52
